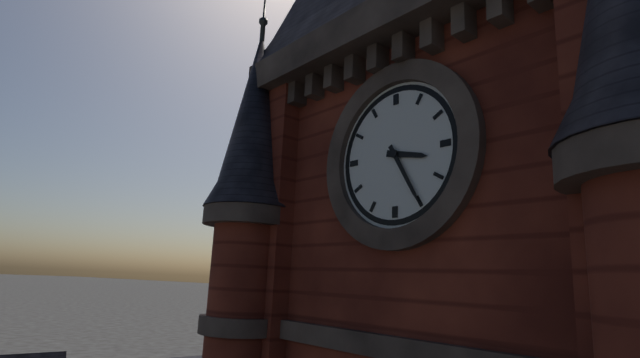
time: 3:25
